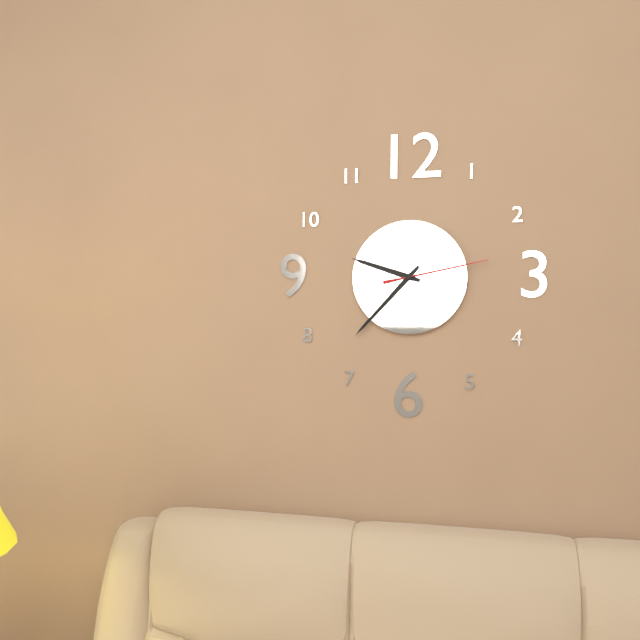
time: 9:37:13
